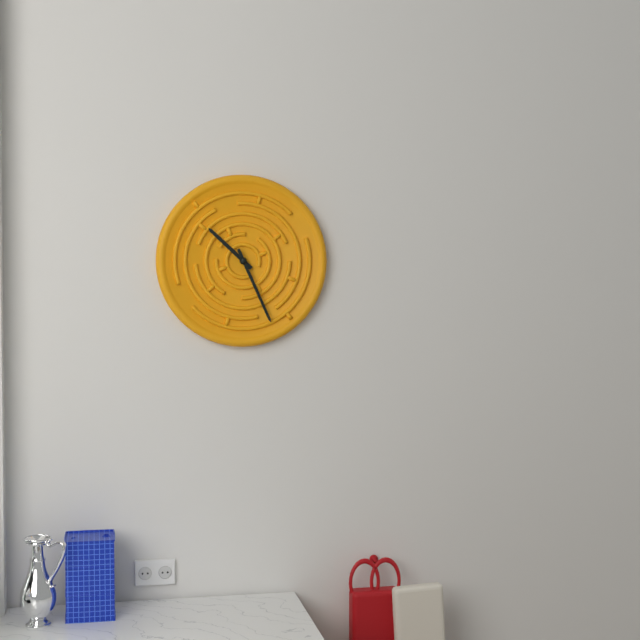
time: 10:26
